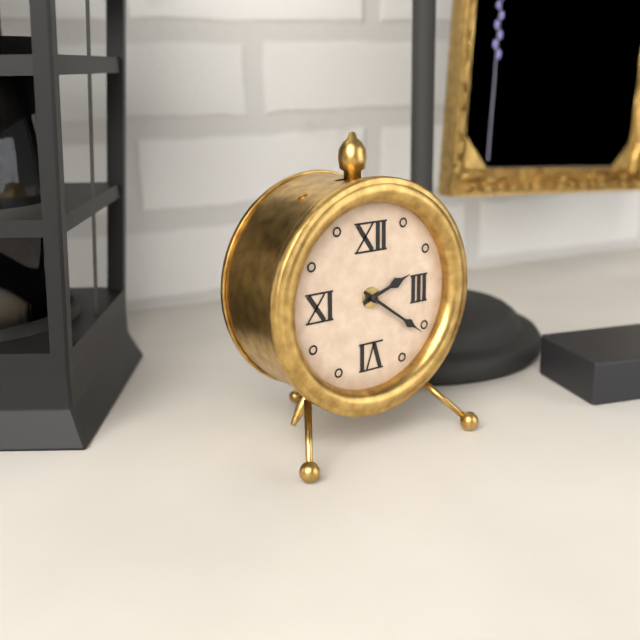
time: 2:21
